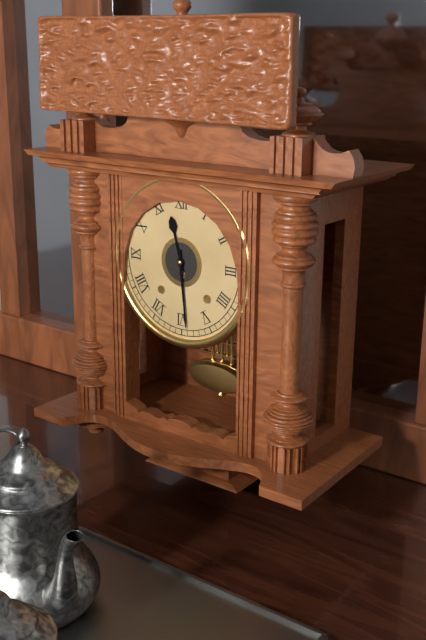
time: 11:29
